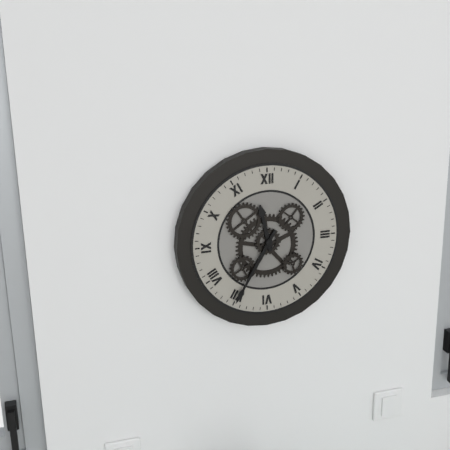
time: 11:35
